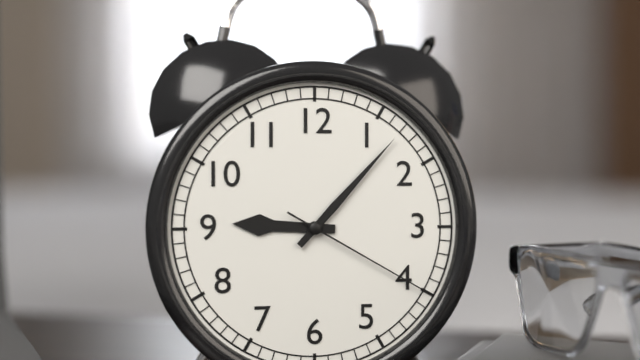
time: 9:07:20
